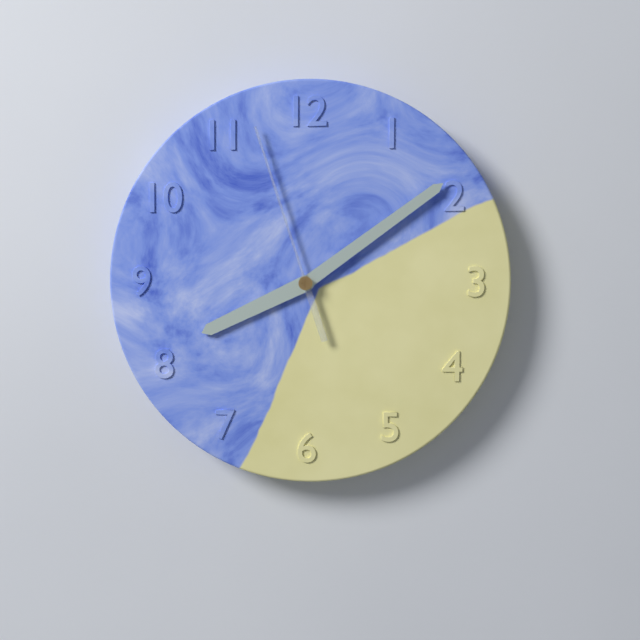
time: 8:09:57
